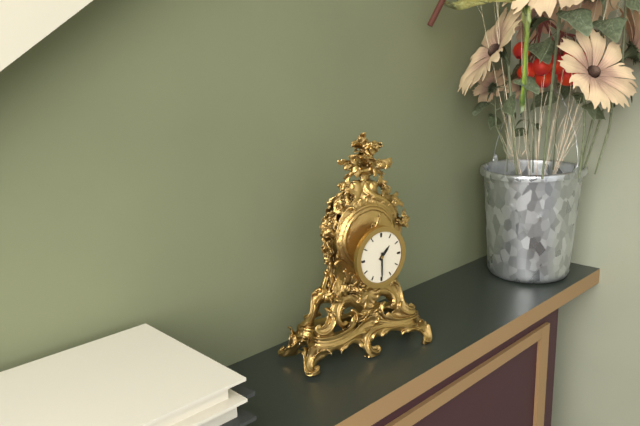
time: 1:30
